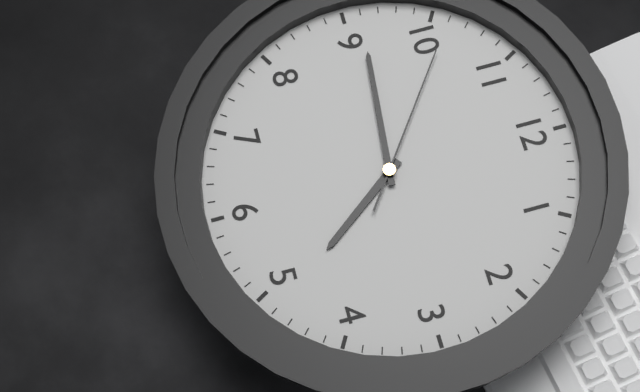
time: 4:46:51
